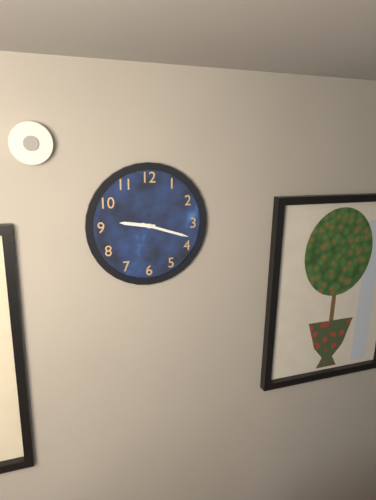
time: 9:18
